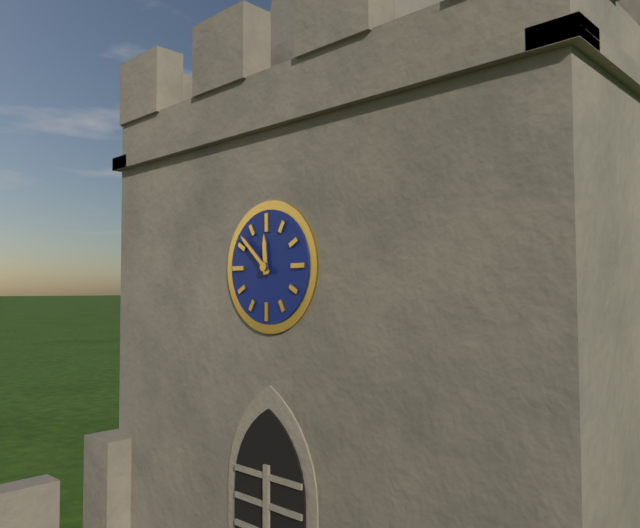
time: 11:52
